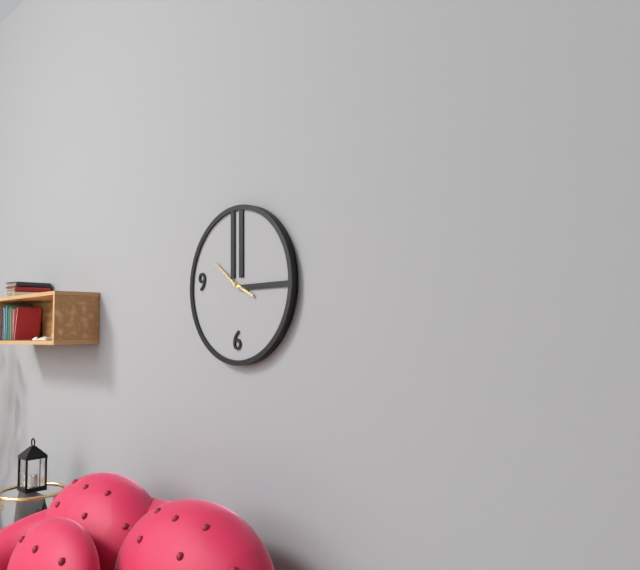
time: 3:51
